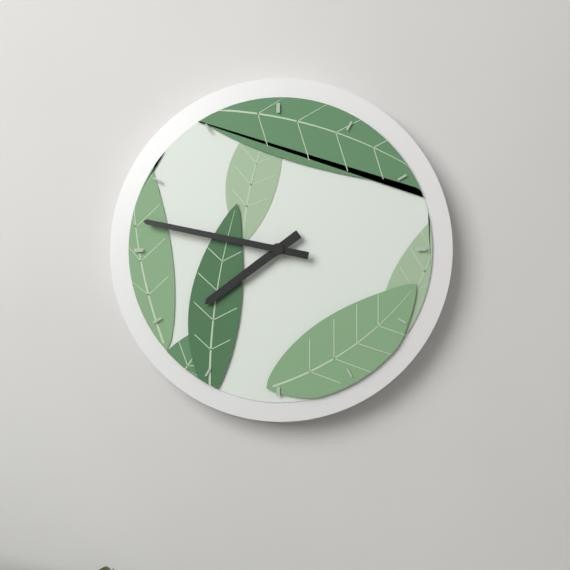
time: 7:47
